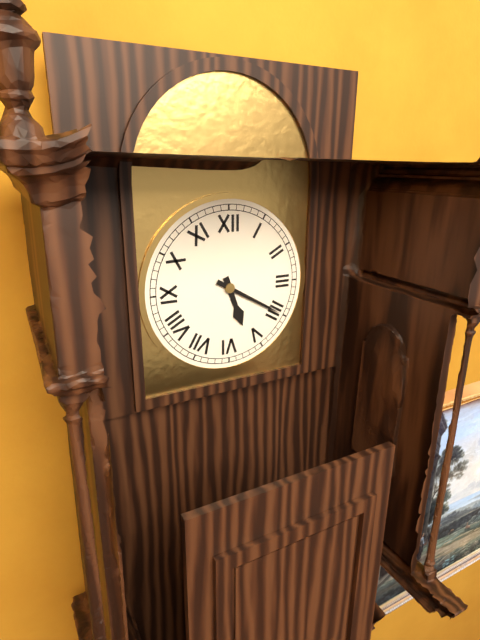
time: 5:20
